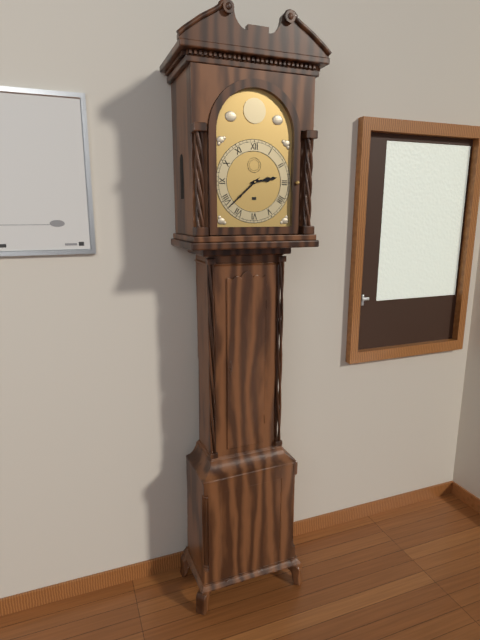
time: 2:38
